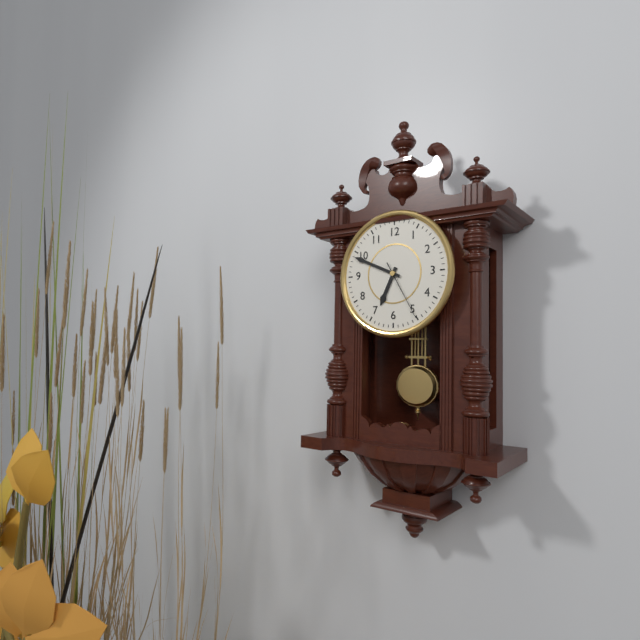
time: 6:49:25
